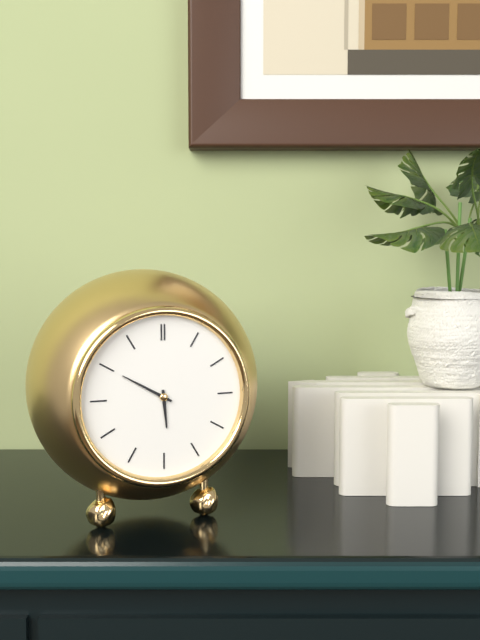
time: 5:50
